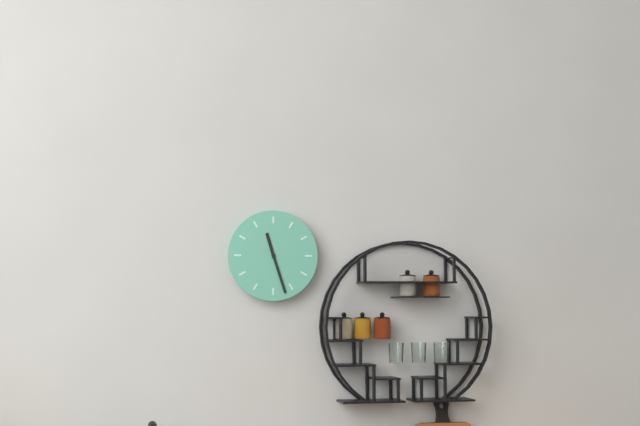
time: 11:27
